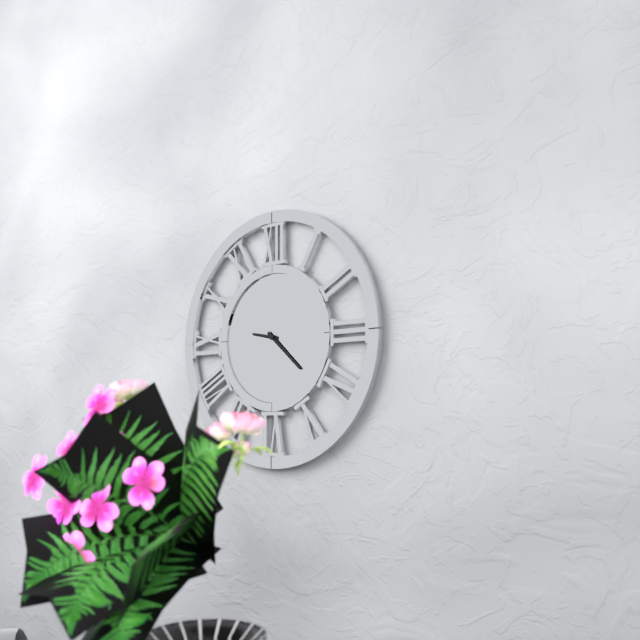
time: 9:22
